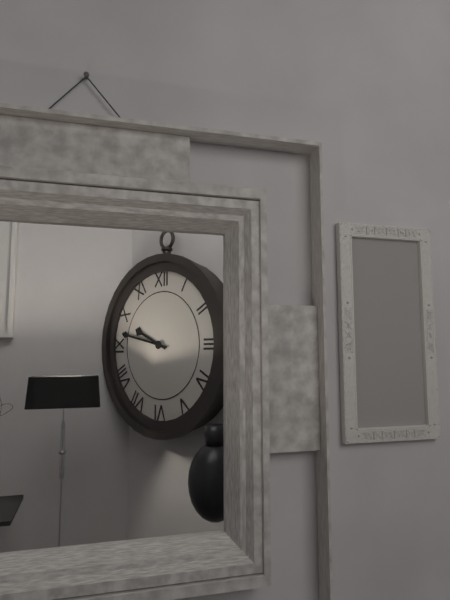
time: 9:47
